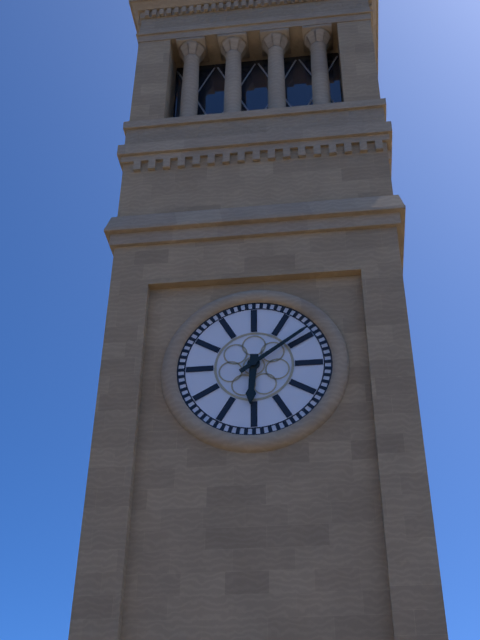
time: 6:09
